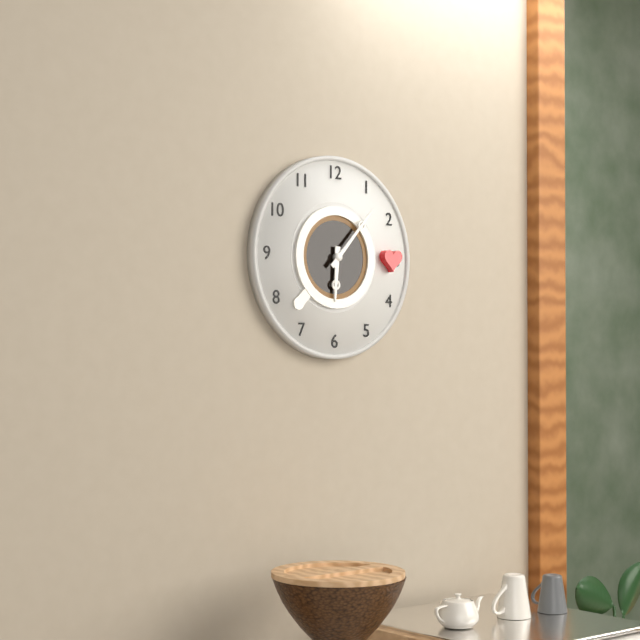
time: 6:07
